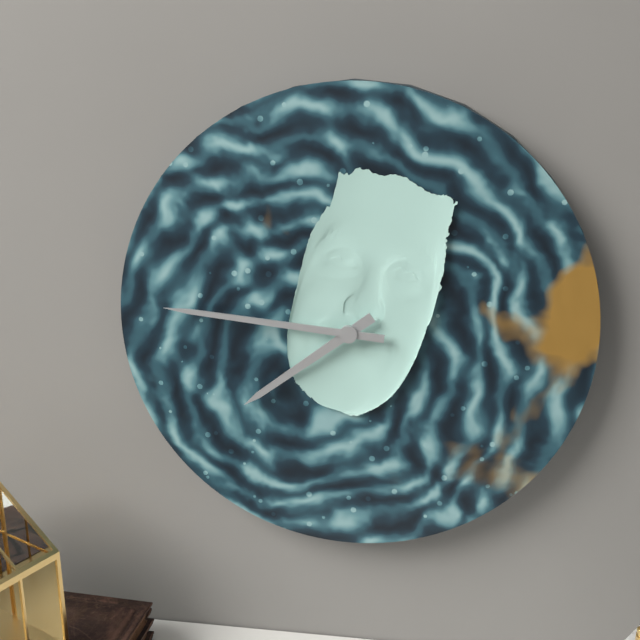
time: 7:46
